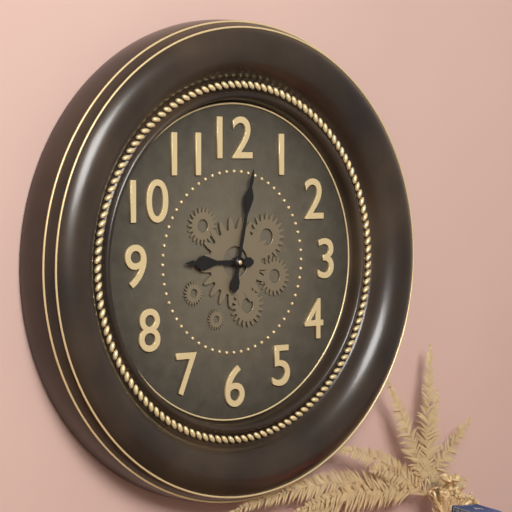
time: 9:02
